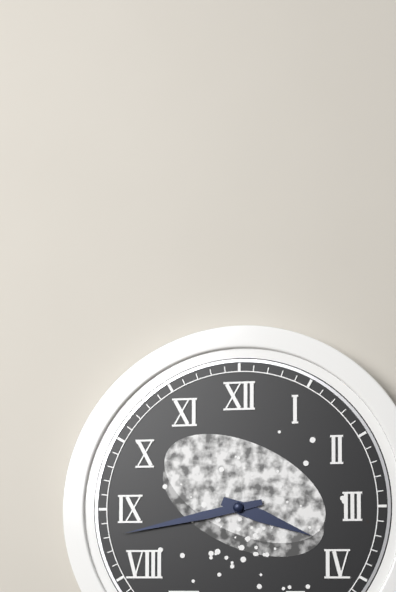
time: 3:43
